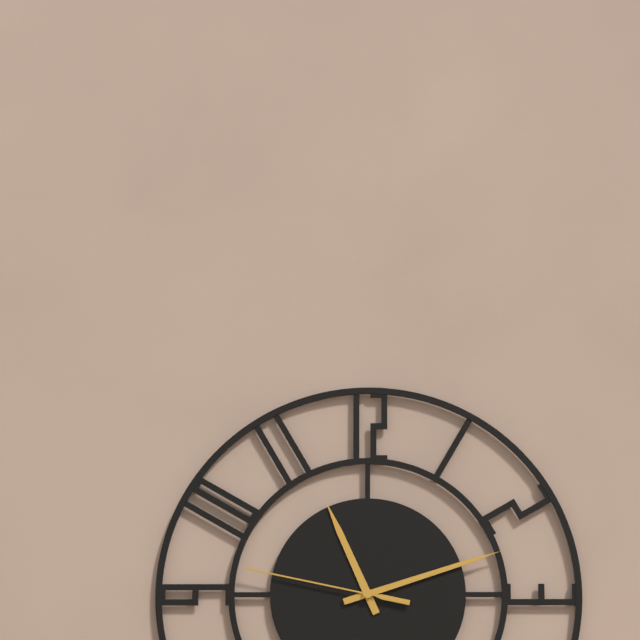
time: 11:12:47
